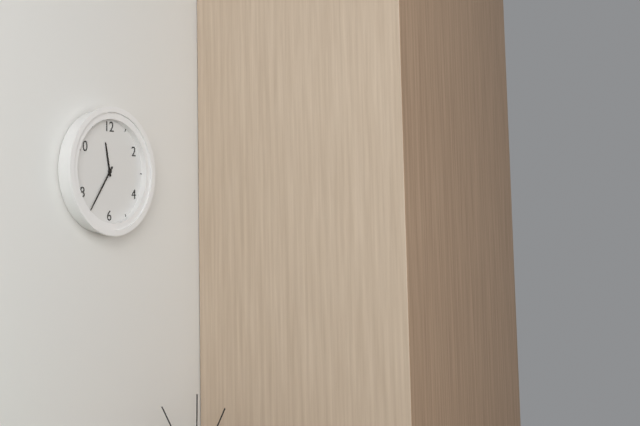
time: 11:36
